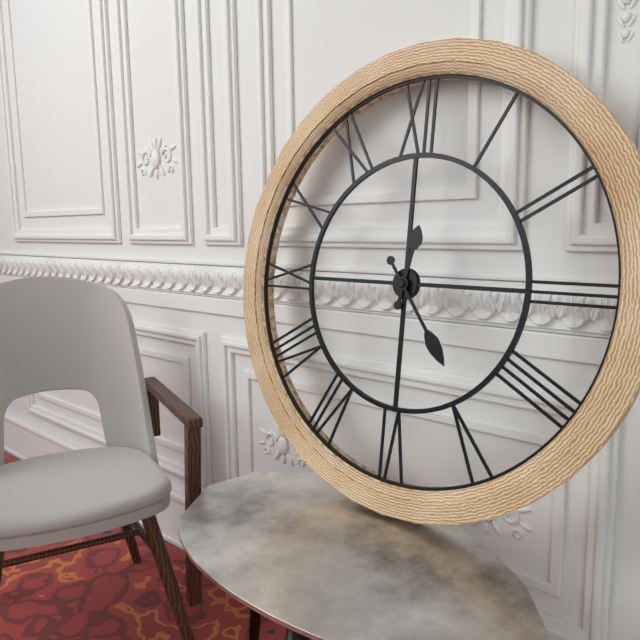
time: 12:24
